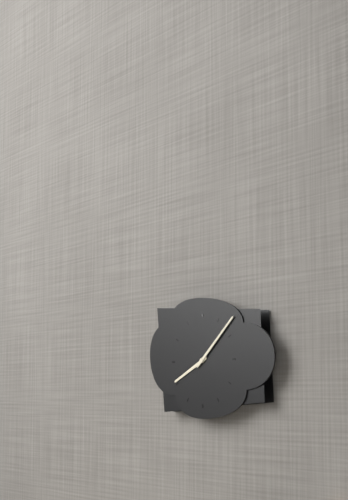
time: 8:08
